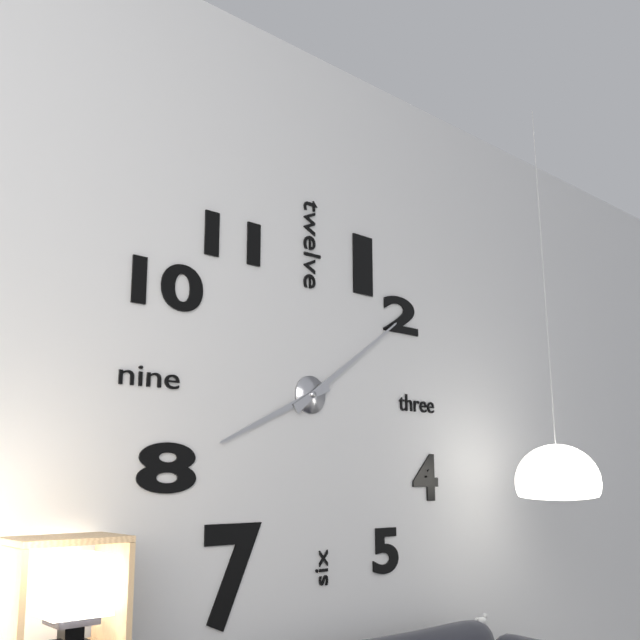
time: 8:09
